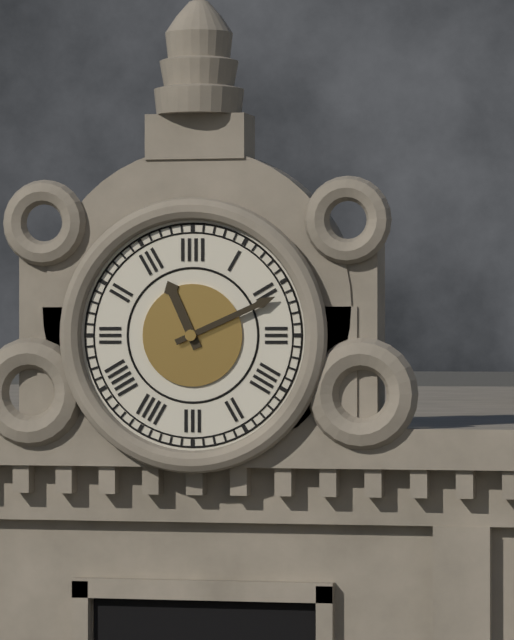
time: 11:11
